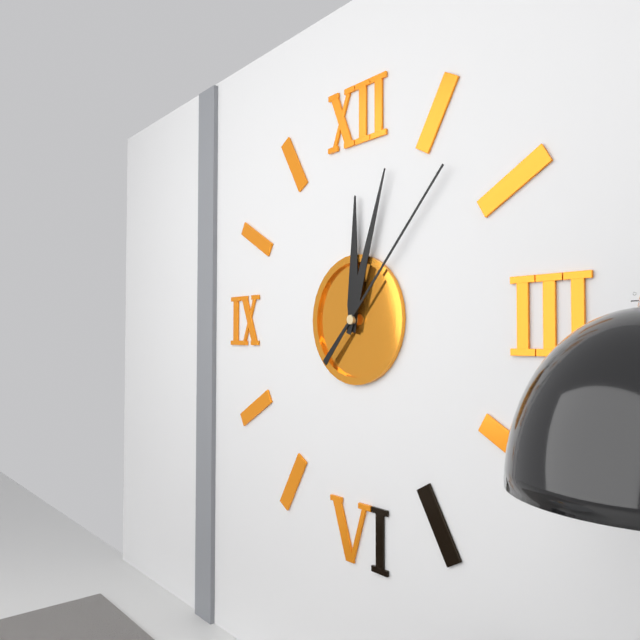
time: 12:03:07
